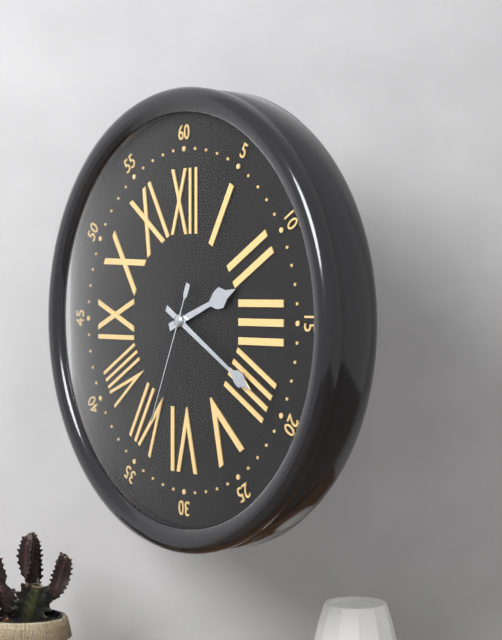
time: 2:20:34
